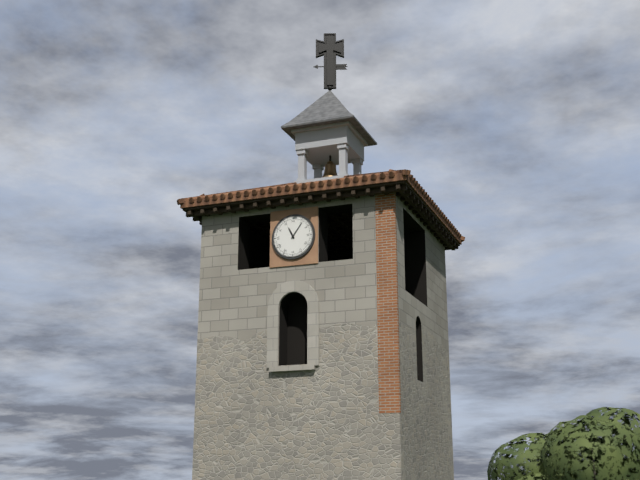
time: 11:06
